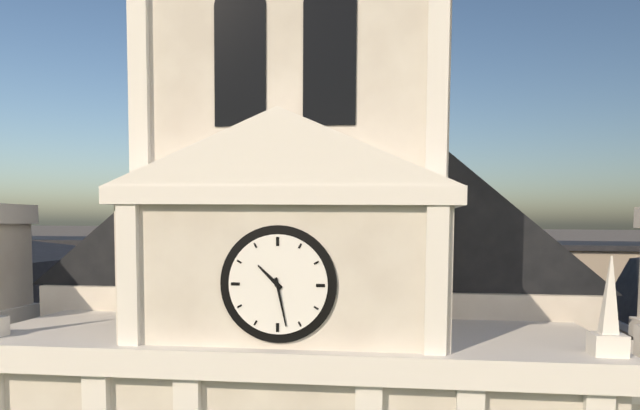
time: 10:28
